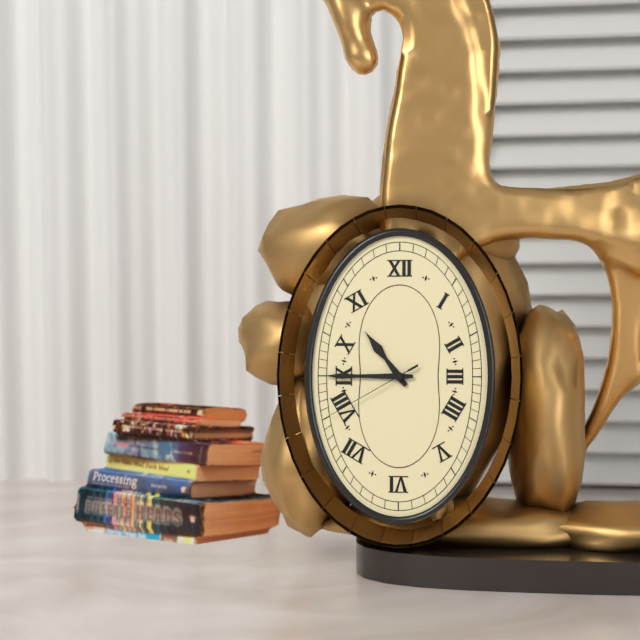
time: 10:45:40
